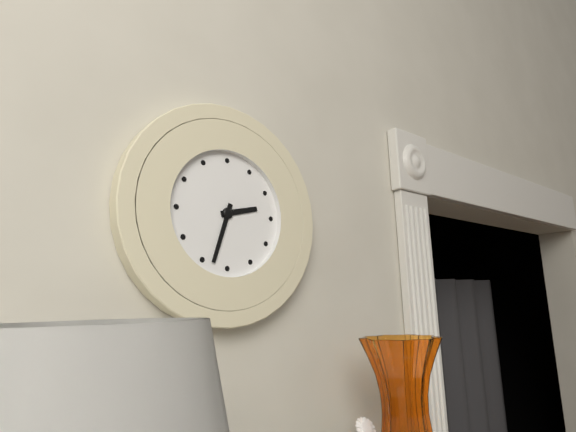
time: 2:33
